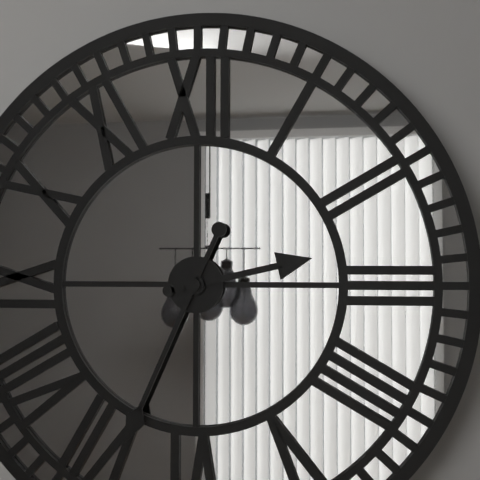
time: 2:34
